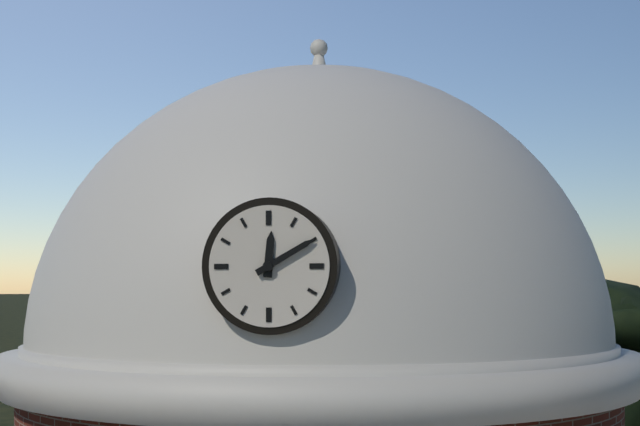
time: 12:10
